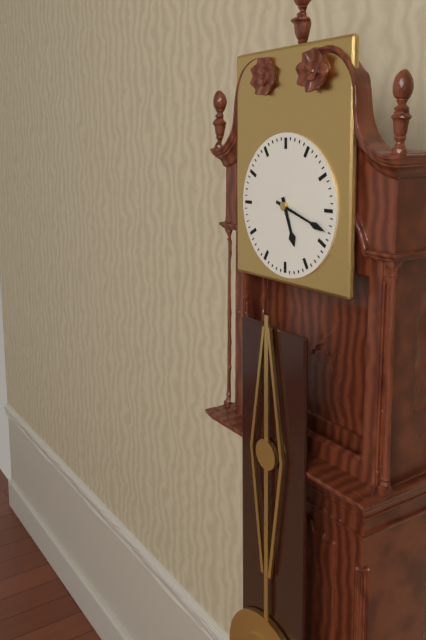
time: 5:18
